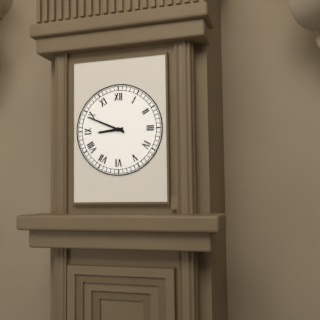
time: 8:49
